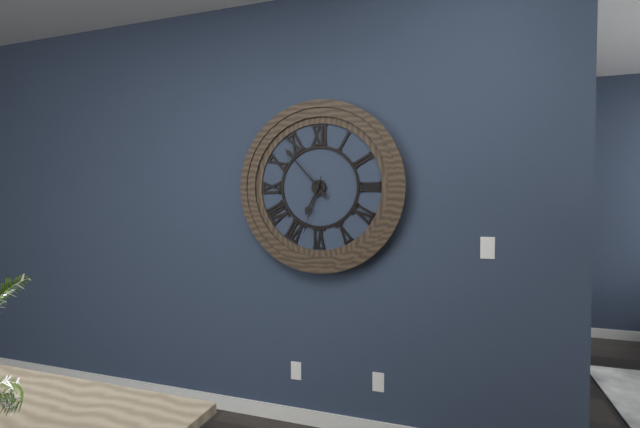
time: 6:53:33
